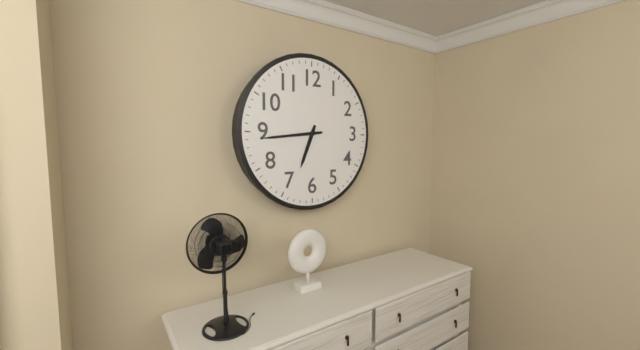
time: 6:44
